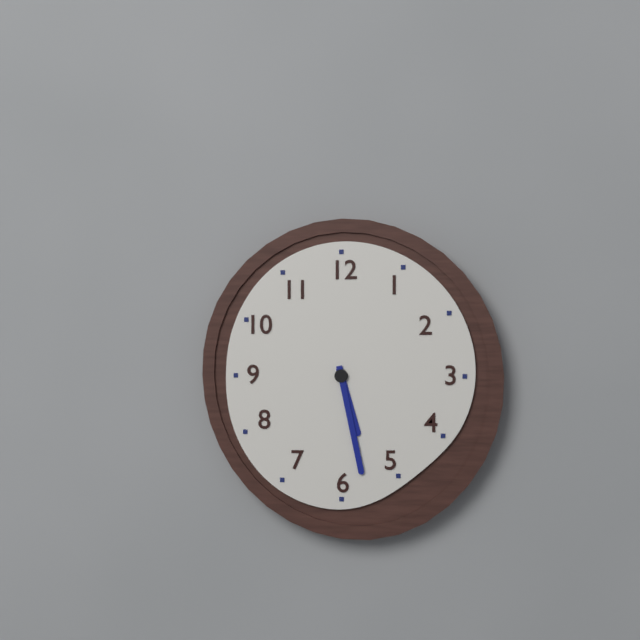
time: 5:28
